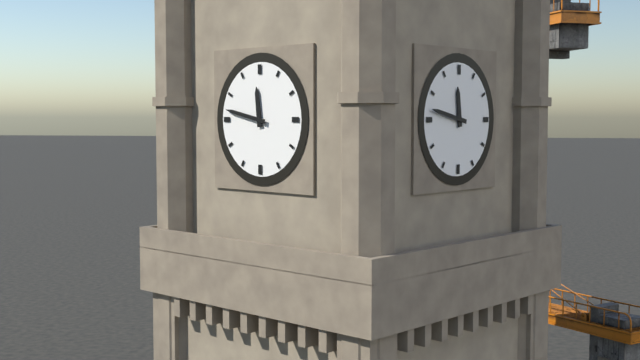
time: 11:47
